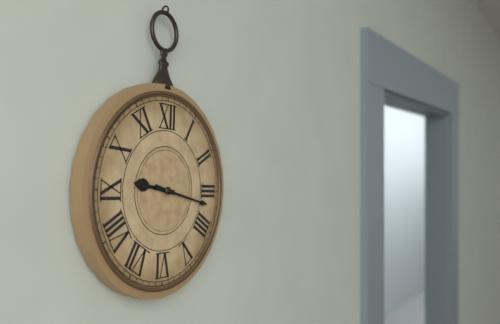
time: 9:17
